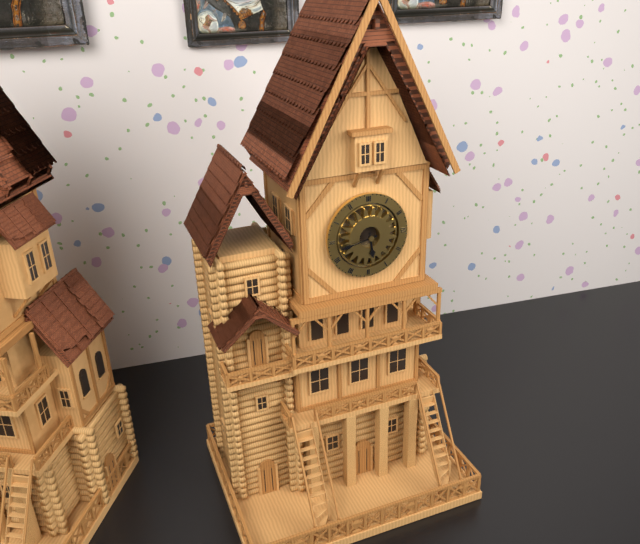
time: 5:43
